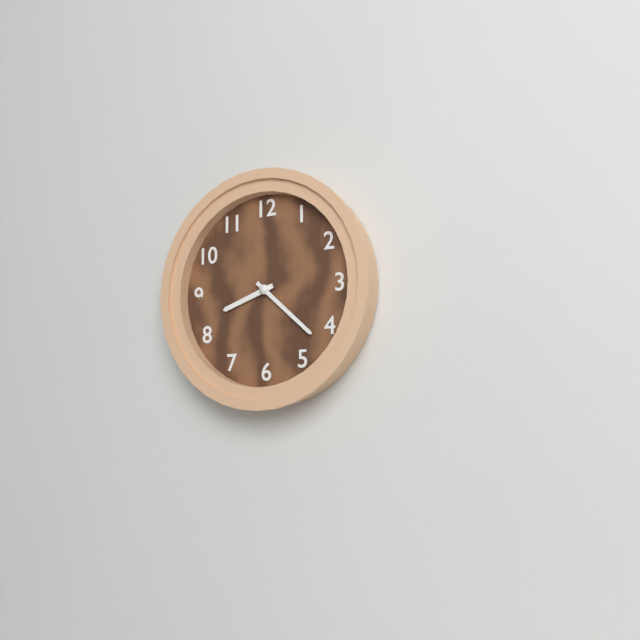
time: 8:22
